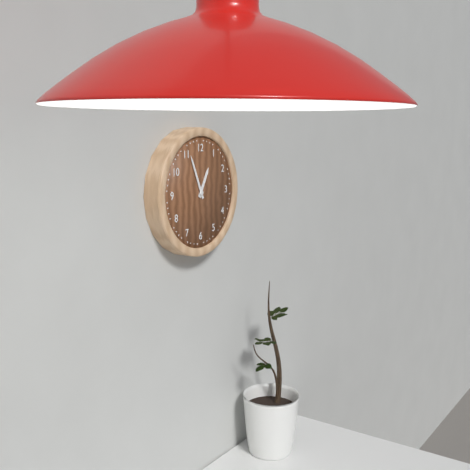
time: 12:56
